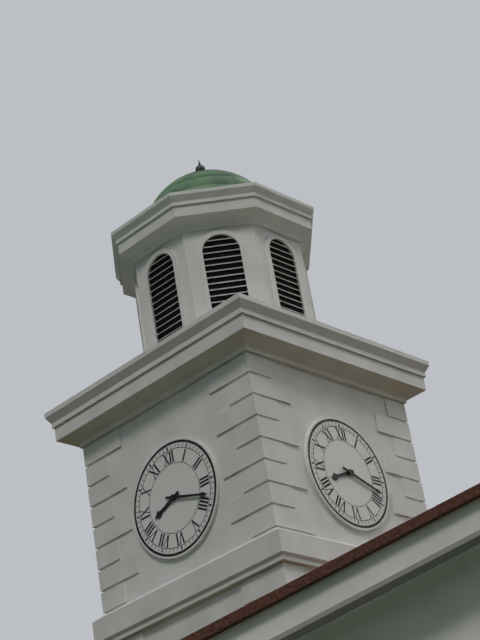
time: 8:18
